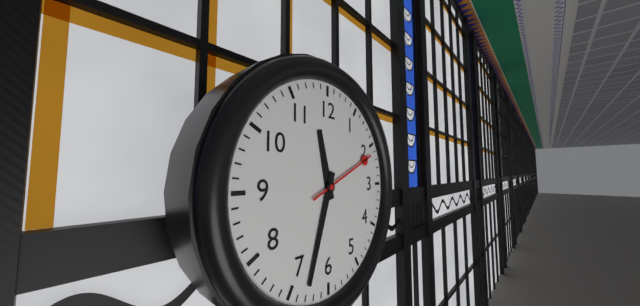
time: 11:33:11
